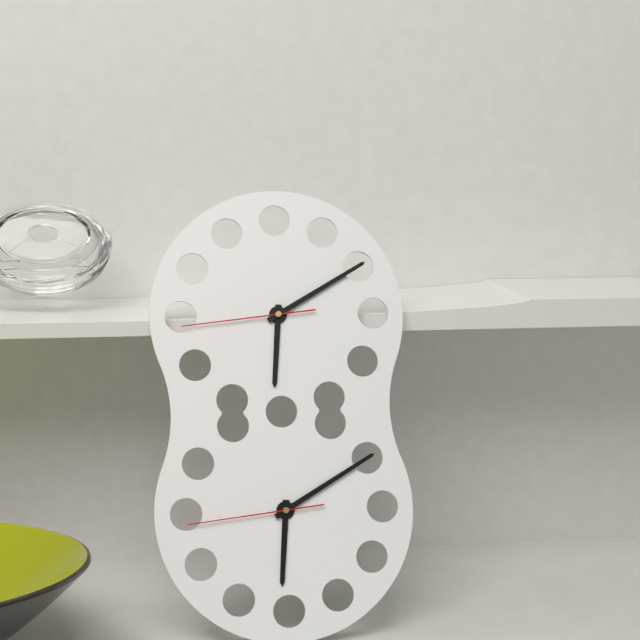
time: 6:10:44
